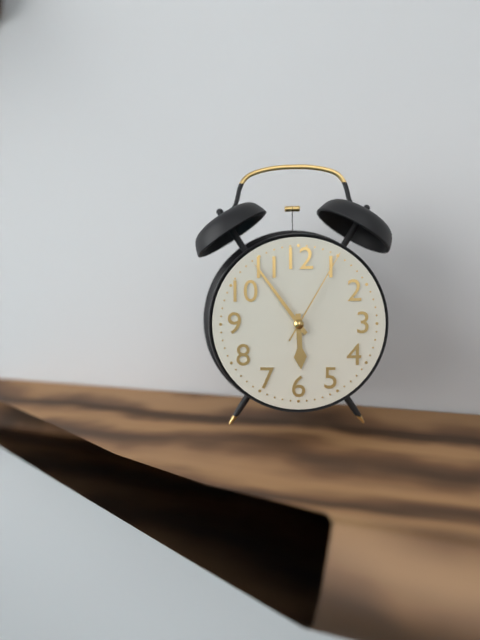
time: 5:54:05
